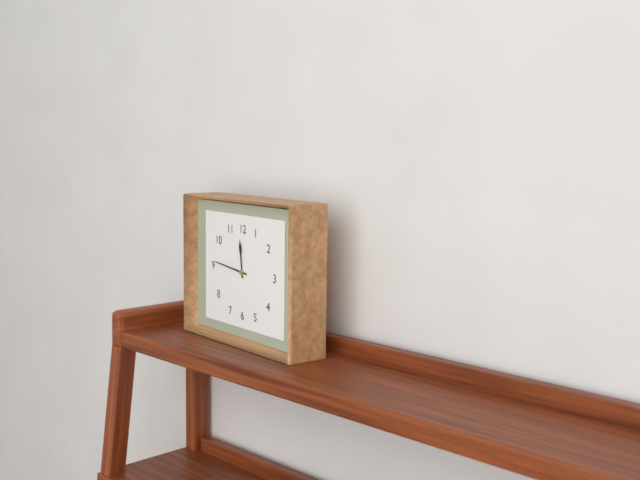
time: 11:46
